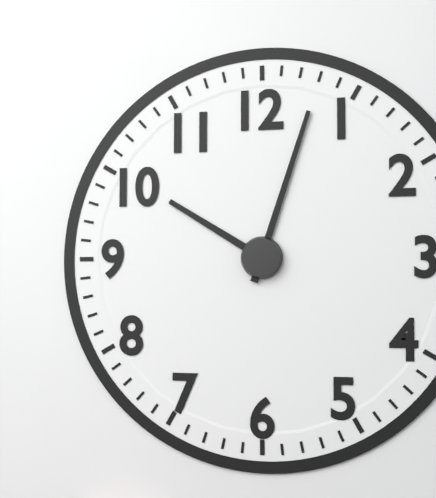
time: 10:03
